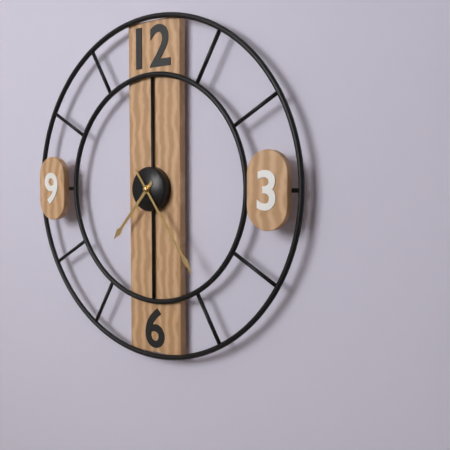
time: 7:24
